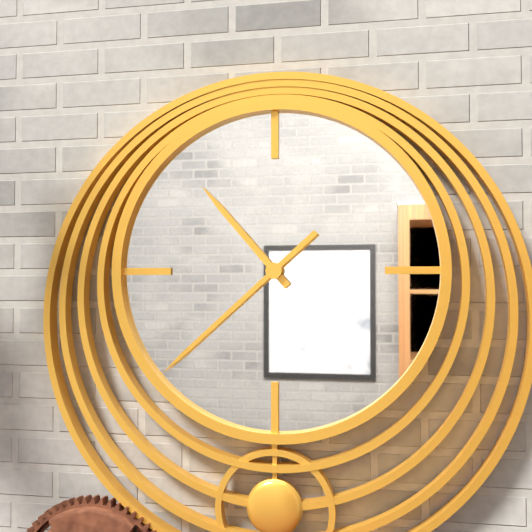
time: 10:38
